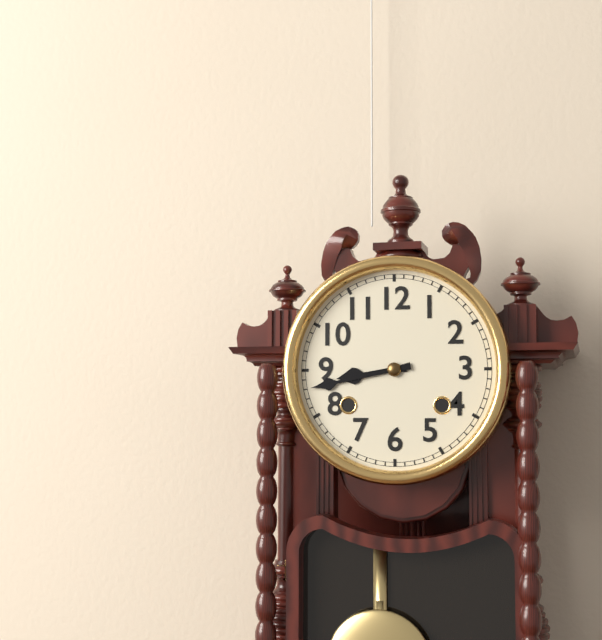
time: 8:43
